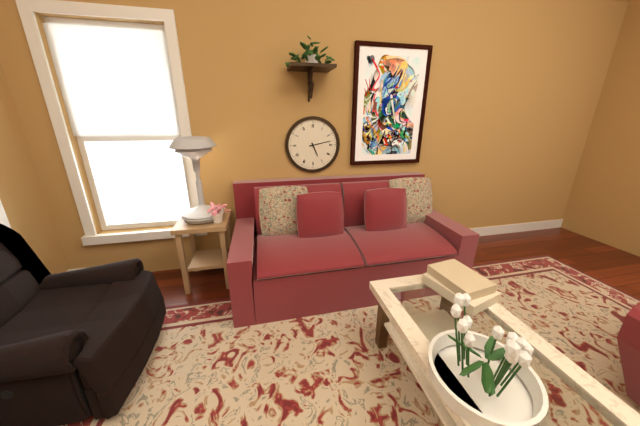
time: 5:13
